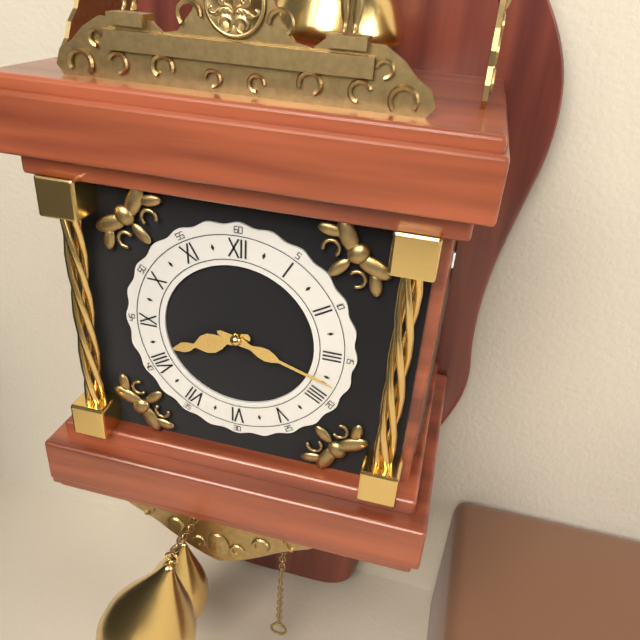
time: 8:18
